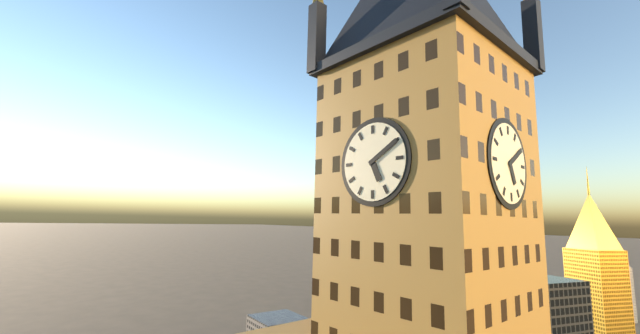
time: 5:10
